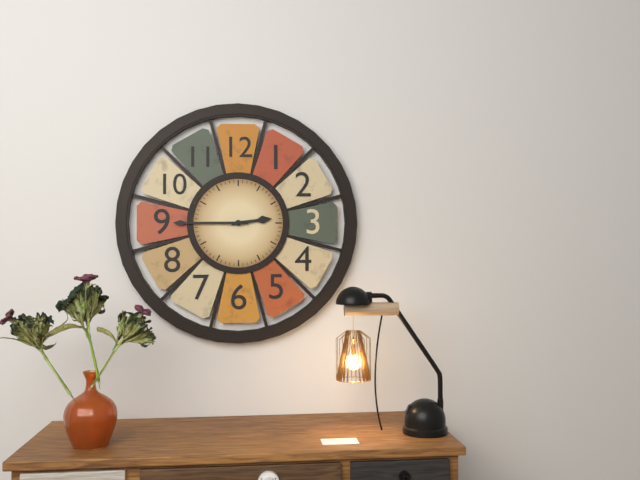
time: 2:45
